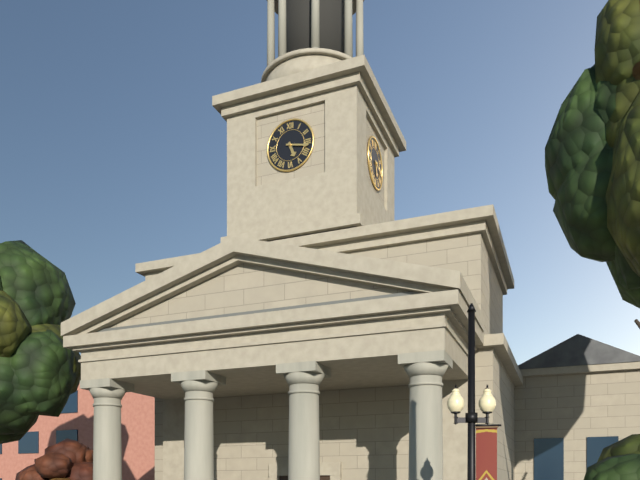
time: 5:17
